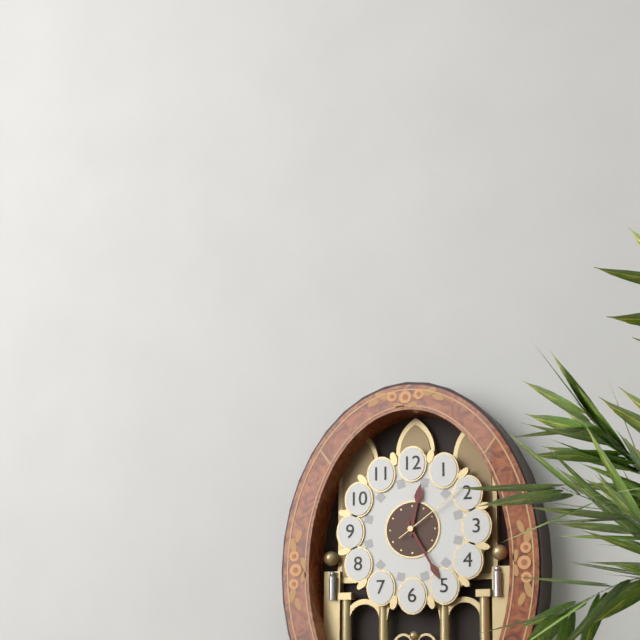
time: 12:25:09
